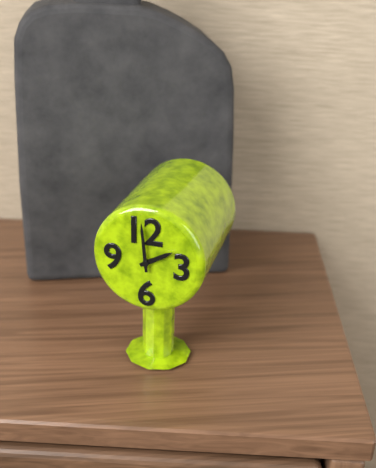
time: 1:59
